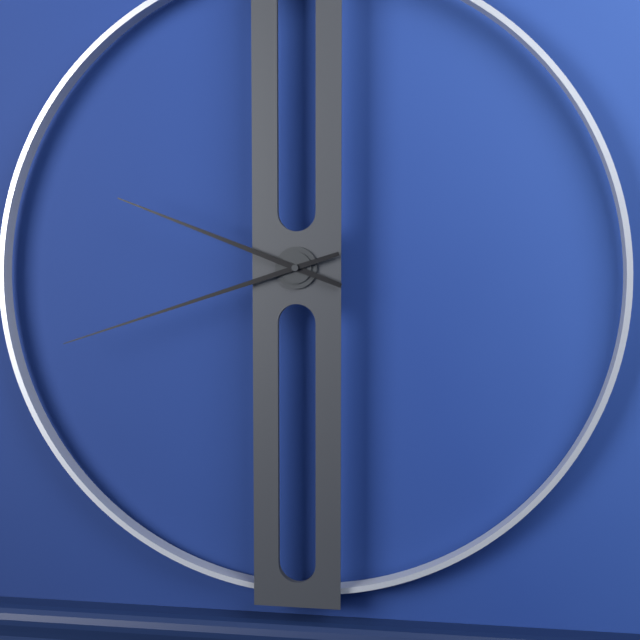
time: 9:42
